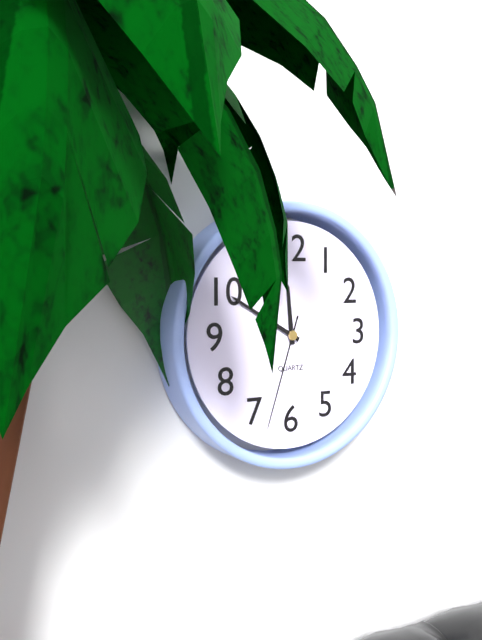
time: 11:50:33
